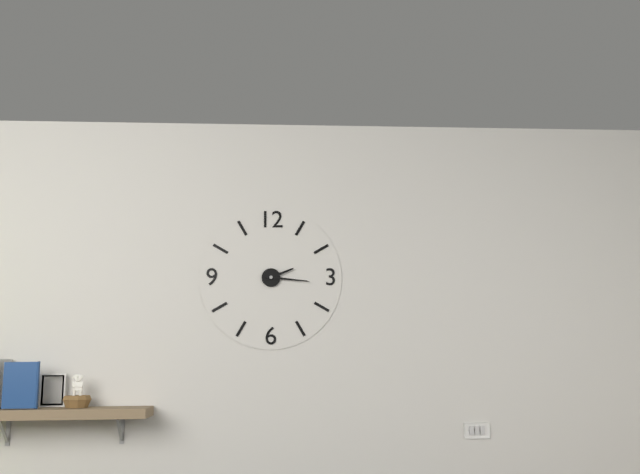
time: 2:16
